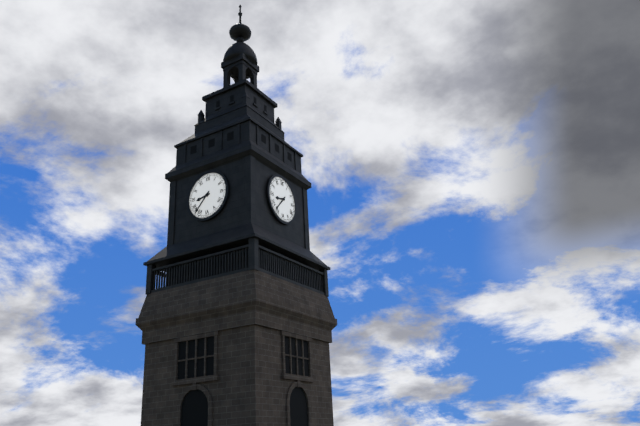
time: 8:37
